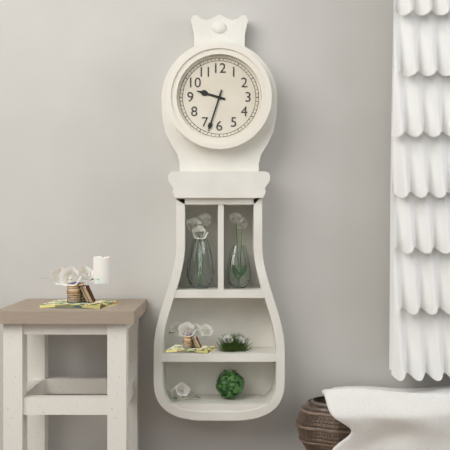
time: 9:33
